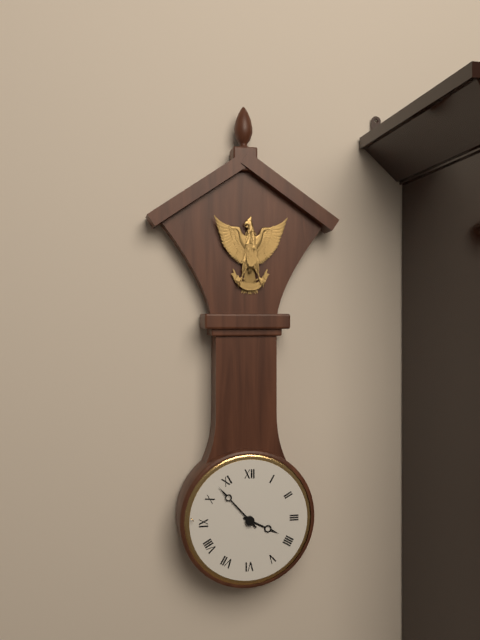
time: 3:53
